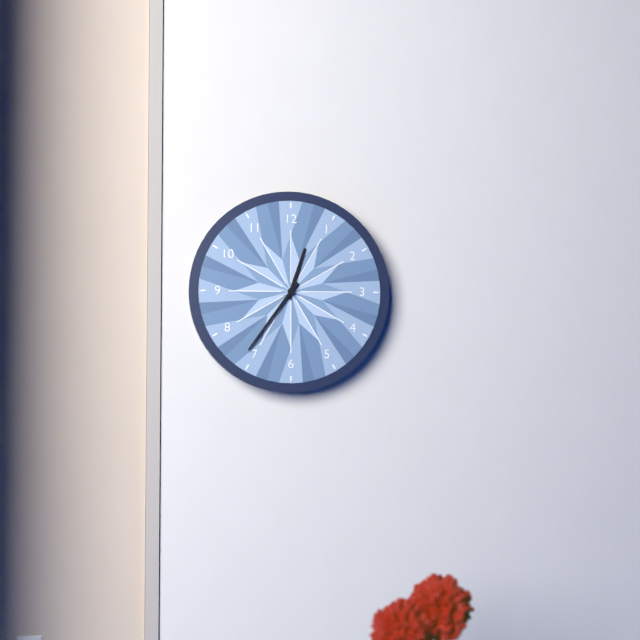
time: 12:36
